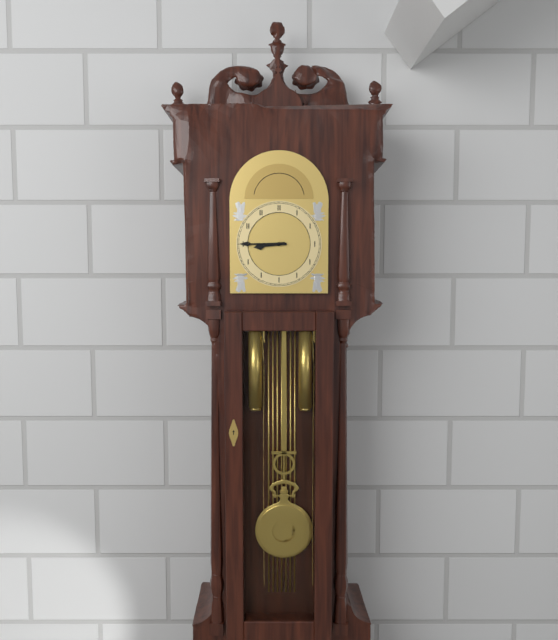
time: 8:45
